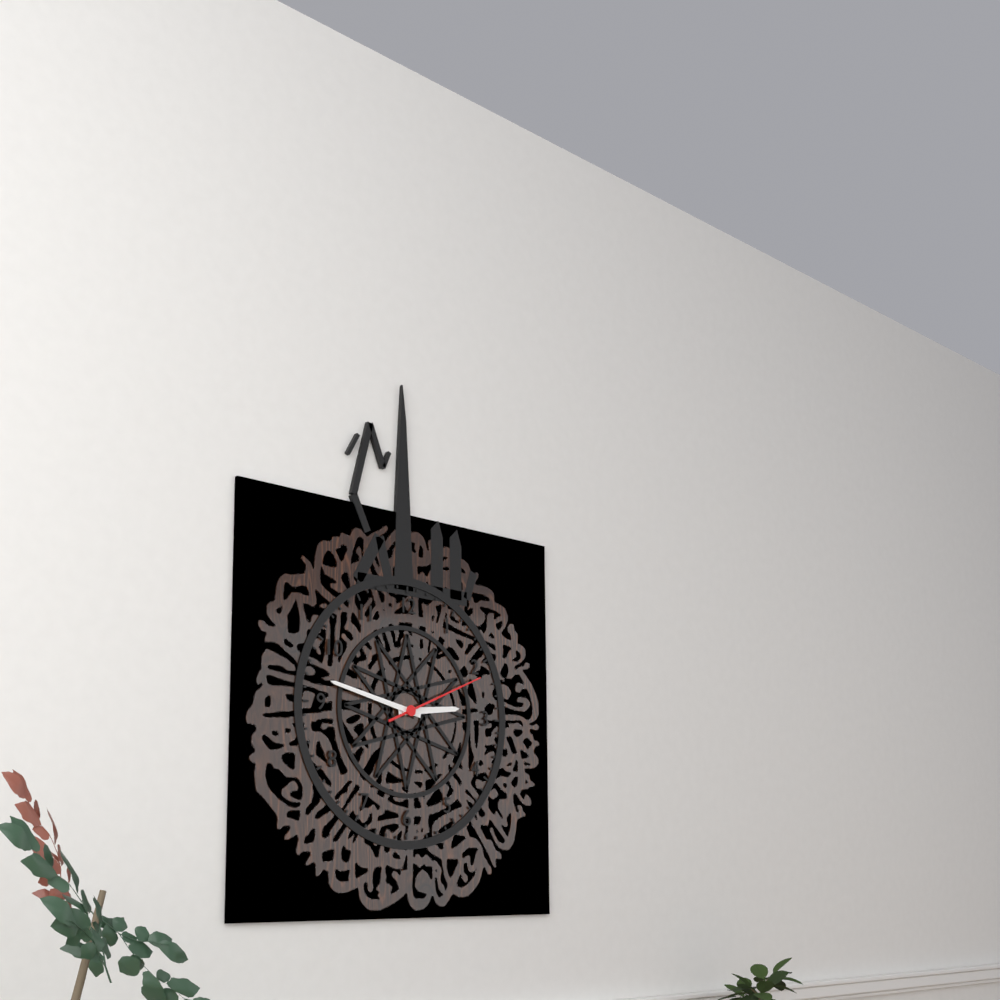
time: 2:47:11
